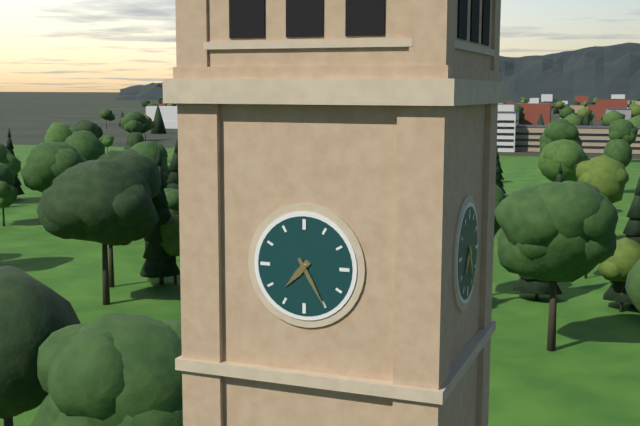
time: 7:25
